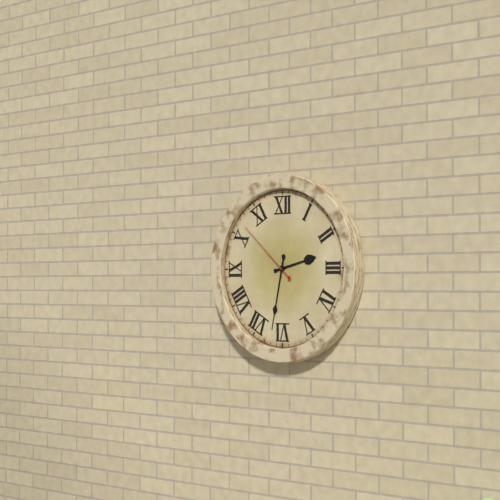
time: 2:32:52
